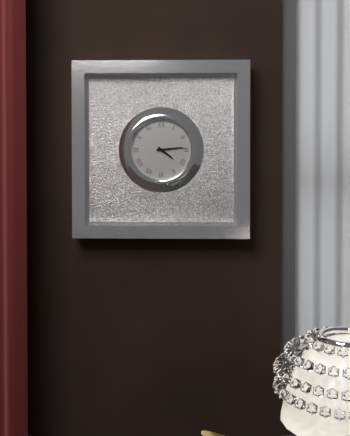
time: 4:14
